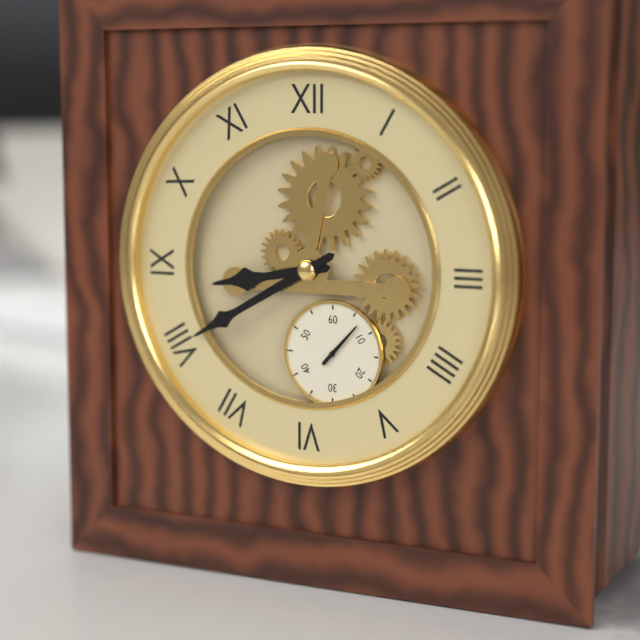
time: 8:40
